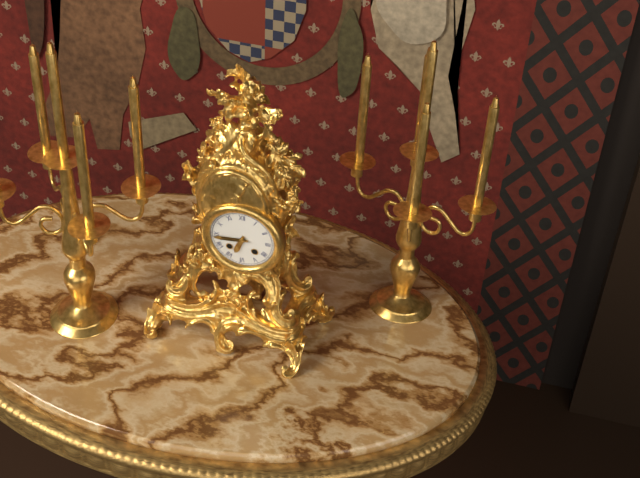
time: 6:44
